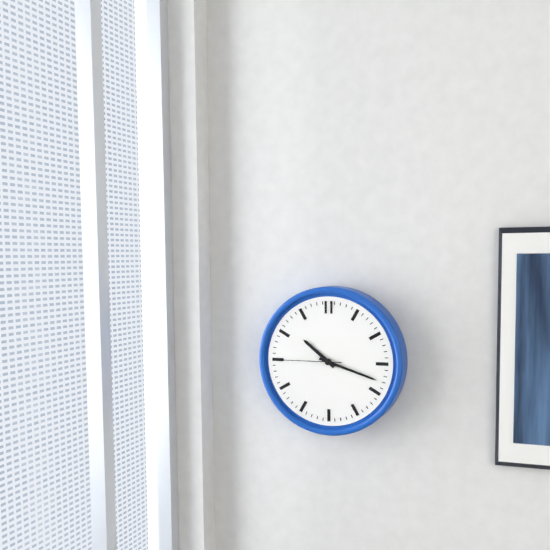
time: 10:18:45
